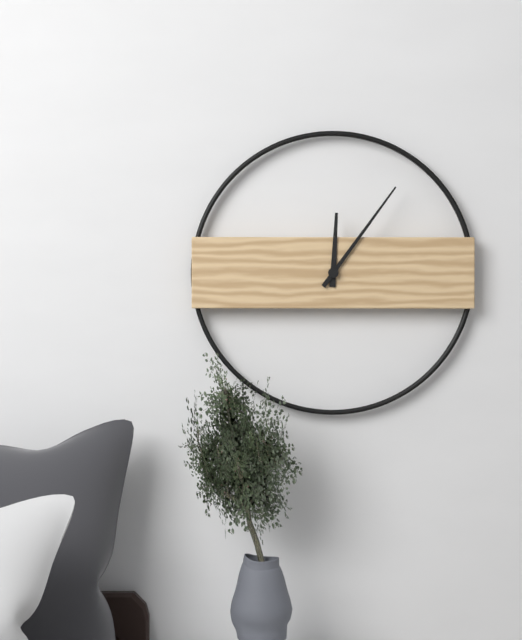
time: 12:06
